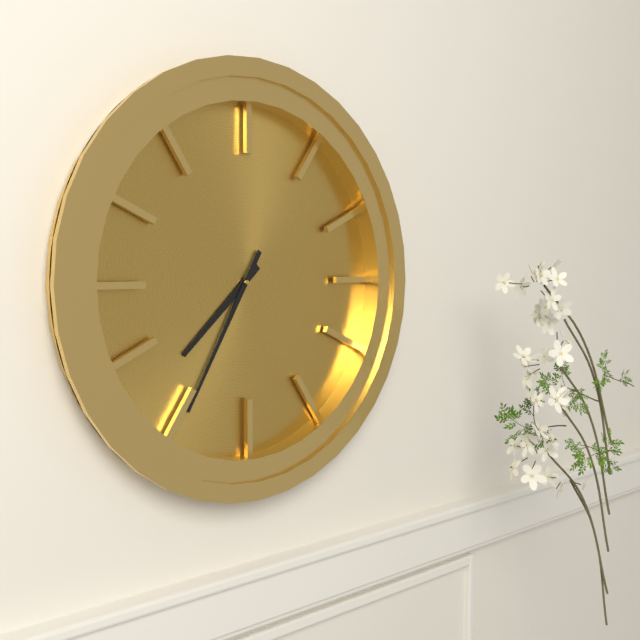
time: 7:35
